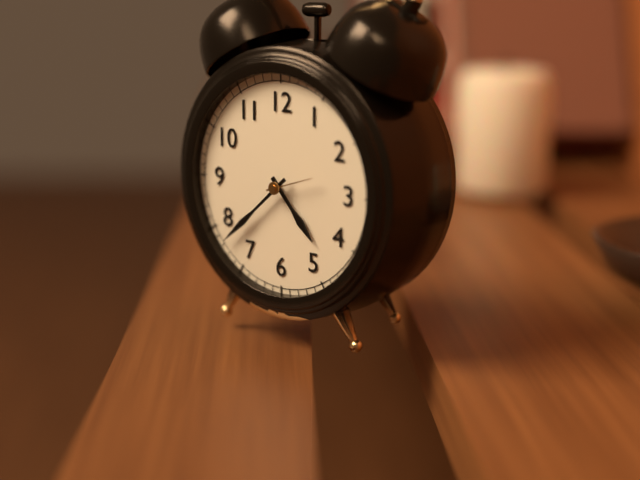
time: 4:38
